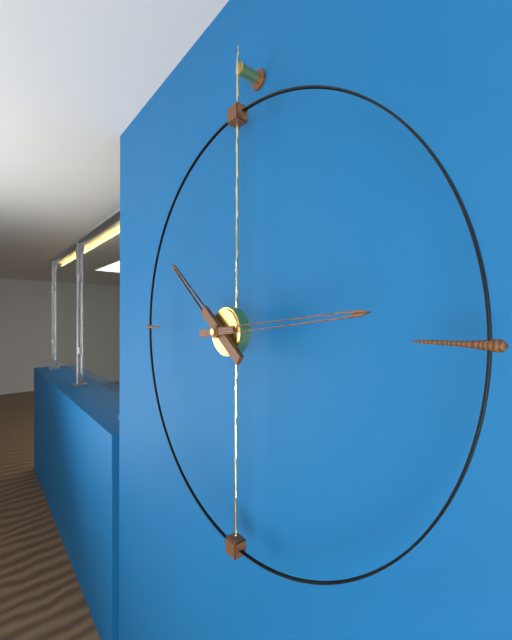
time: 10:14
